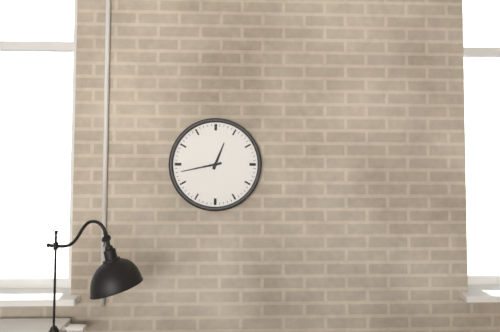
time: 12:43
